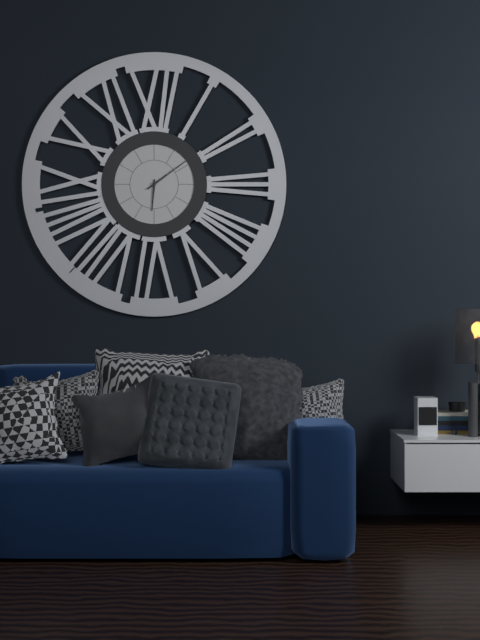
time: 6:09
